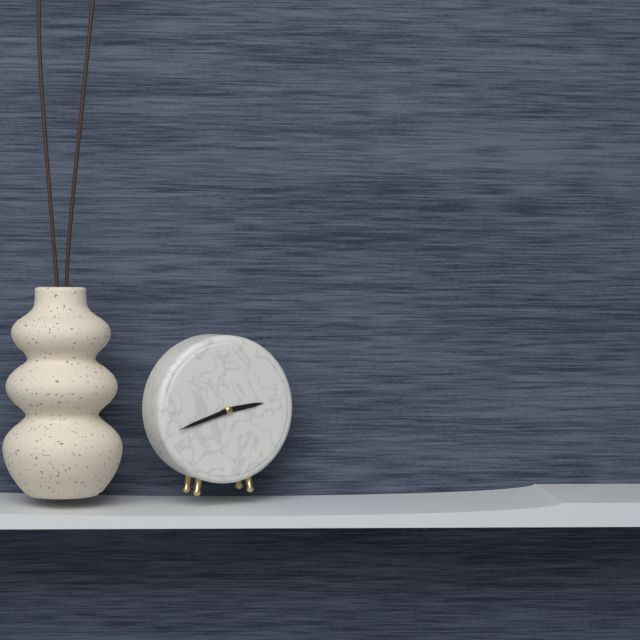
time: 2:42
